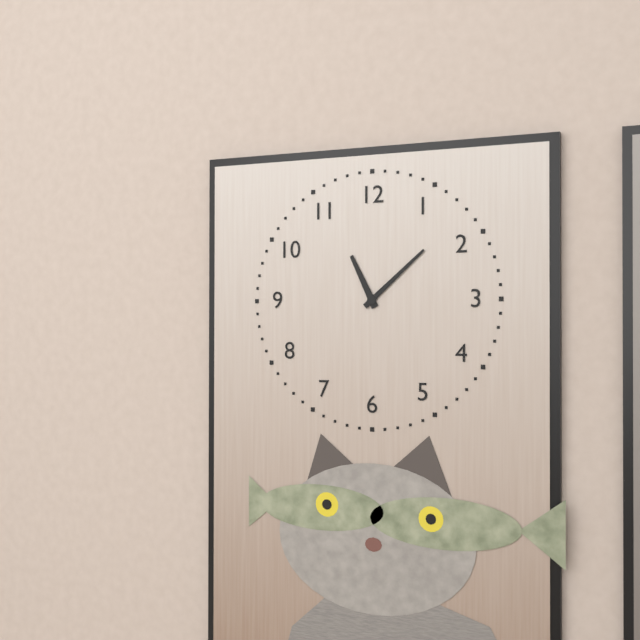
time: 11:08
